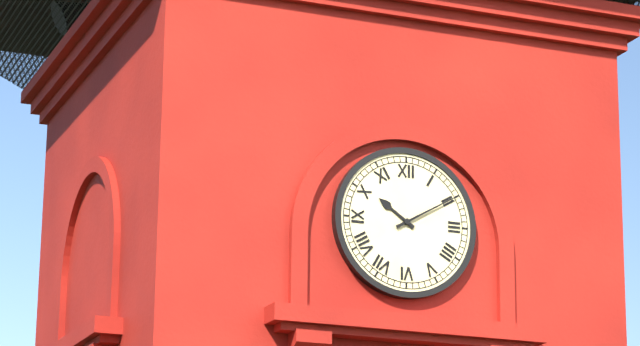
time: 10:10
